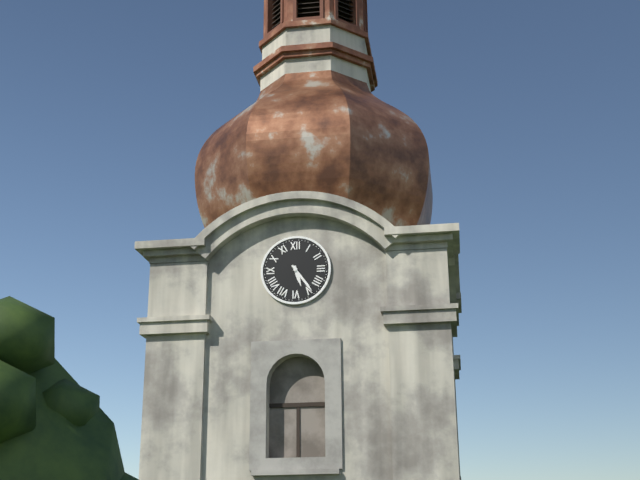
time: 5:24
